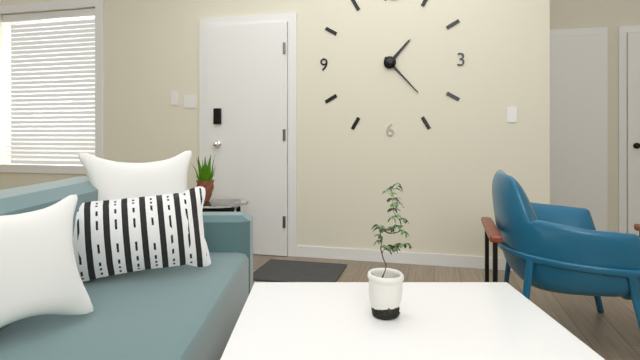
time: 1:23
